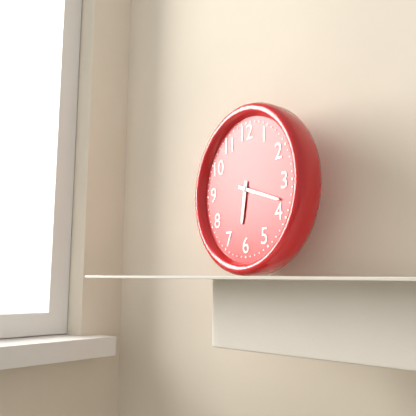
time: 6:18
